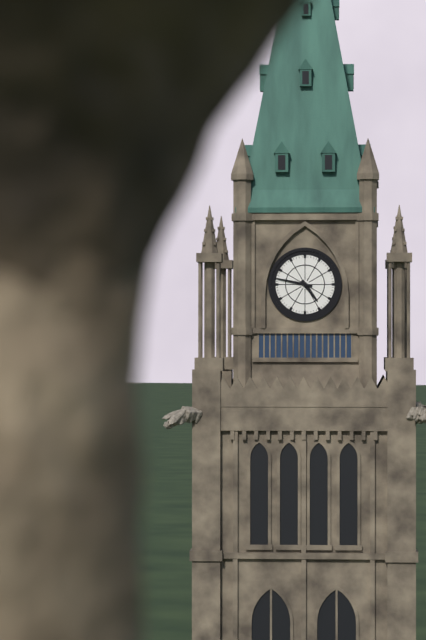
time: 4:47
